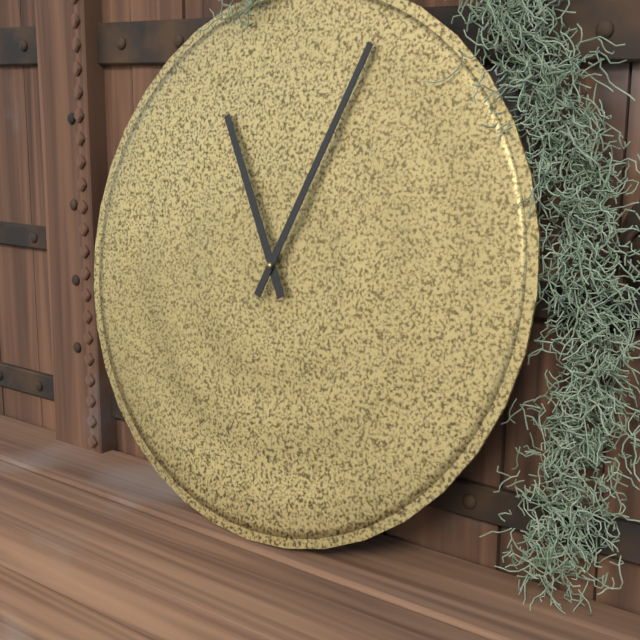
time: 11:04
